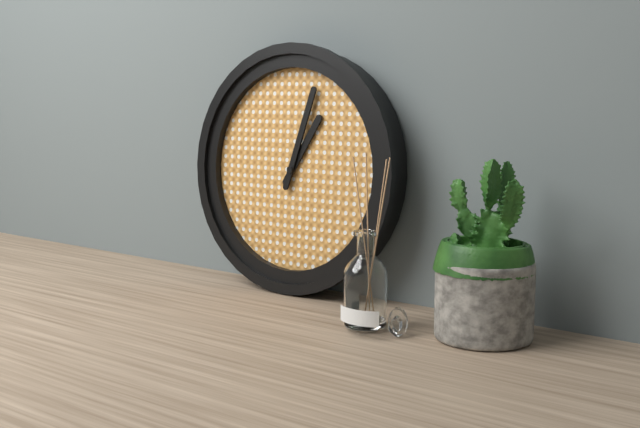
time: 1:03
